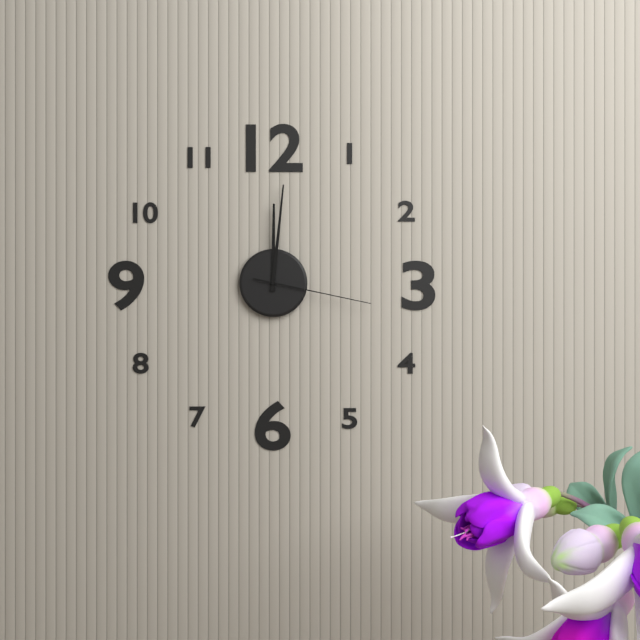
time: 12:01:17
